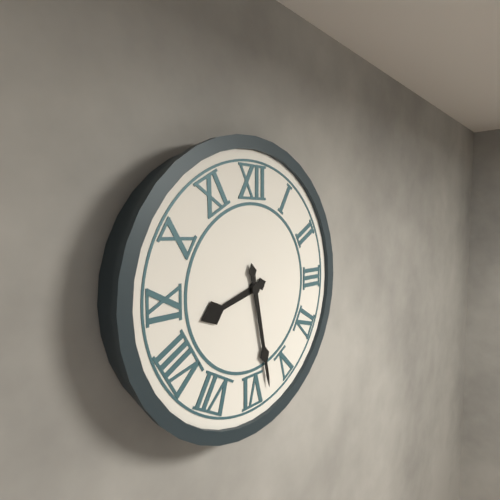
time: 8:28
